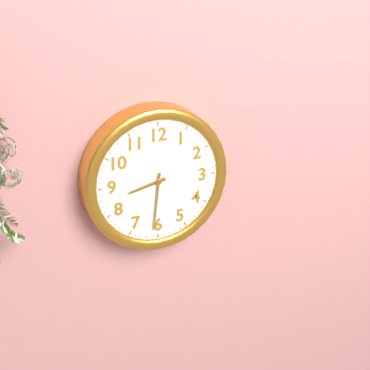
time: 8:31
